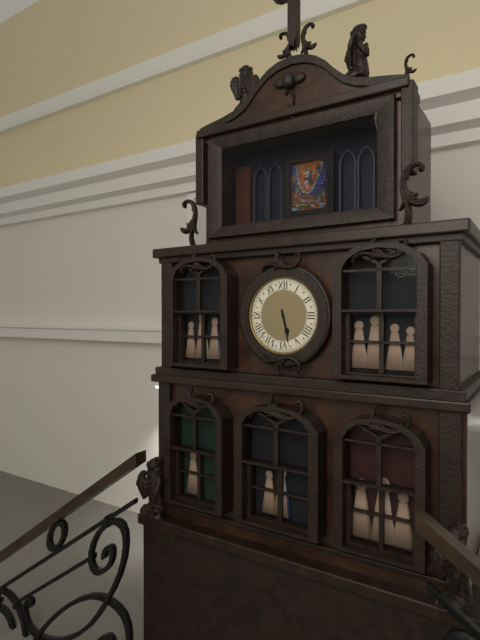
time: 5:28
